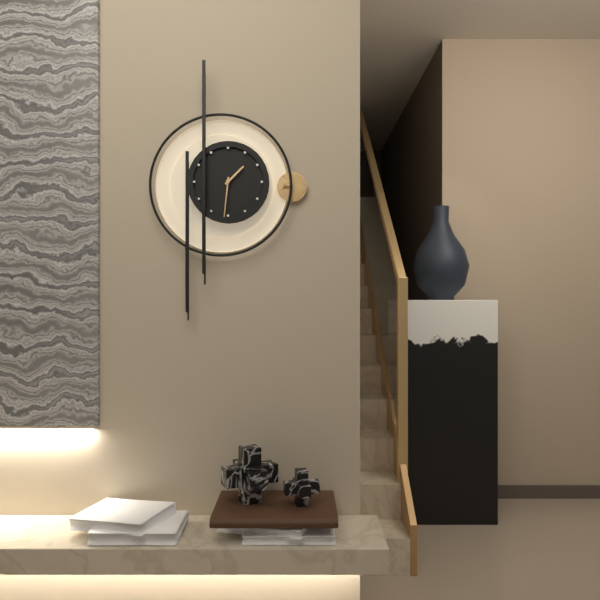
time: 1:31
